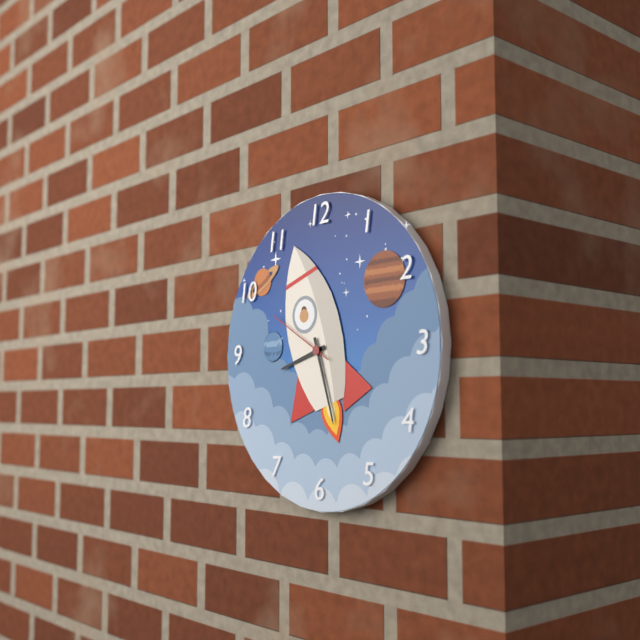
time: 8:27:50
